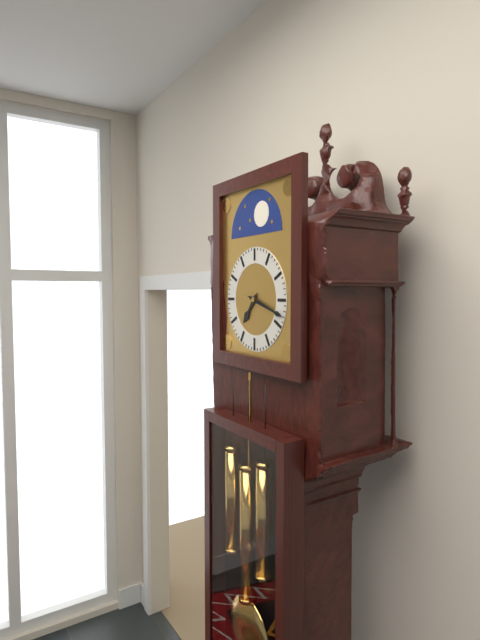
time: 7:18
